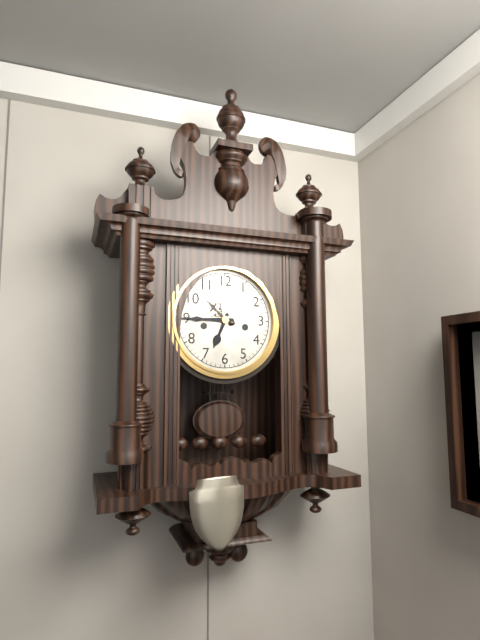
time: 6:45
